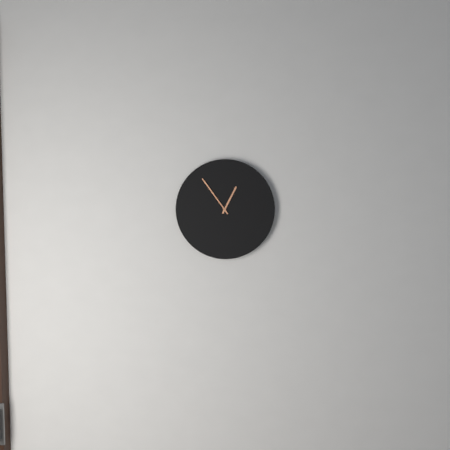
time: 12:54
